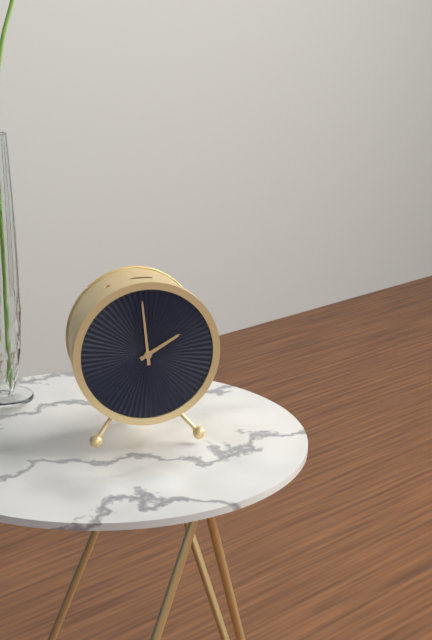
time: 1:59
